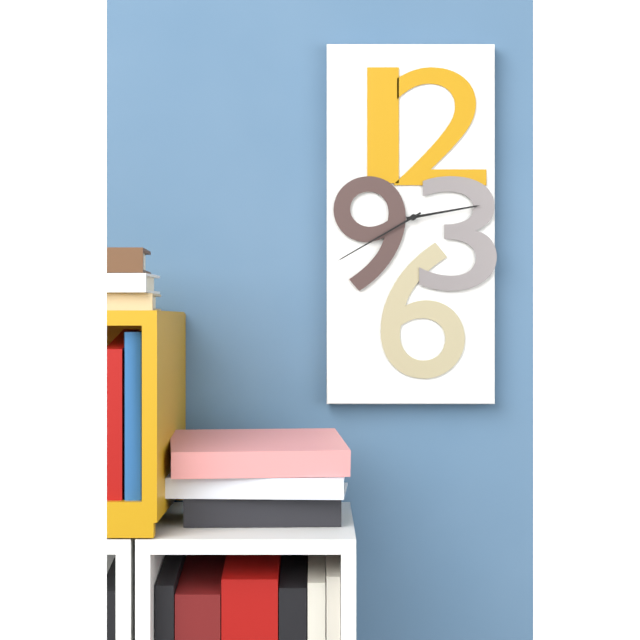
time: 2:40
